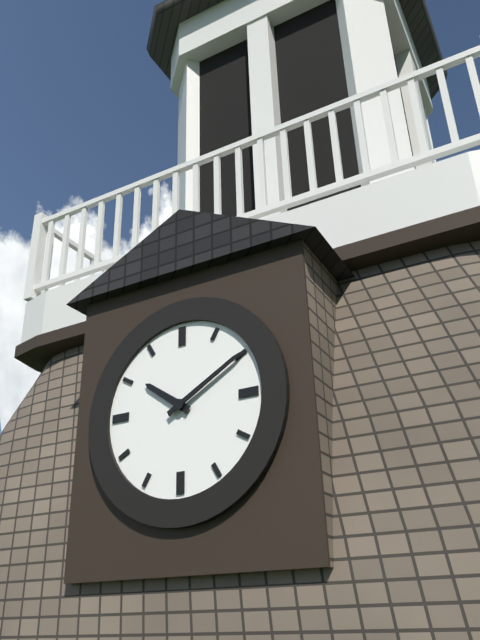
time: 10:10
